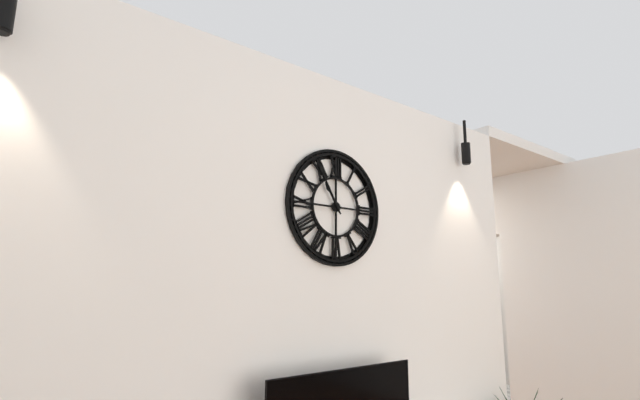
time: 10:55
